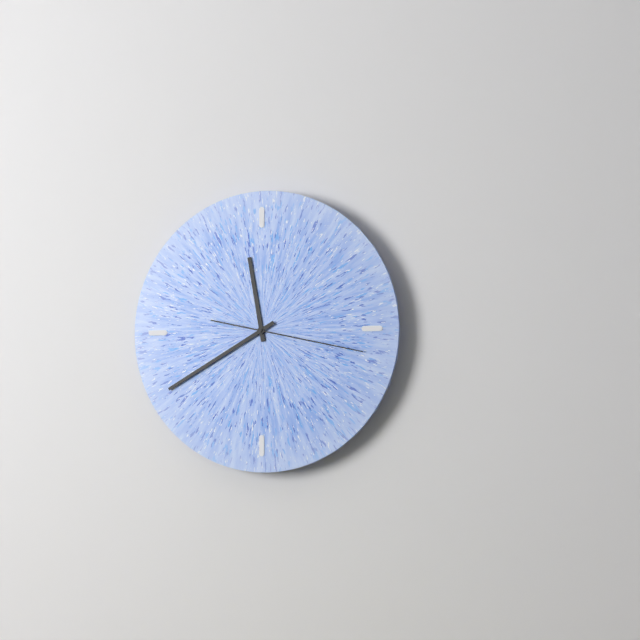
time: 11:40:17
